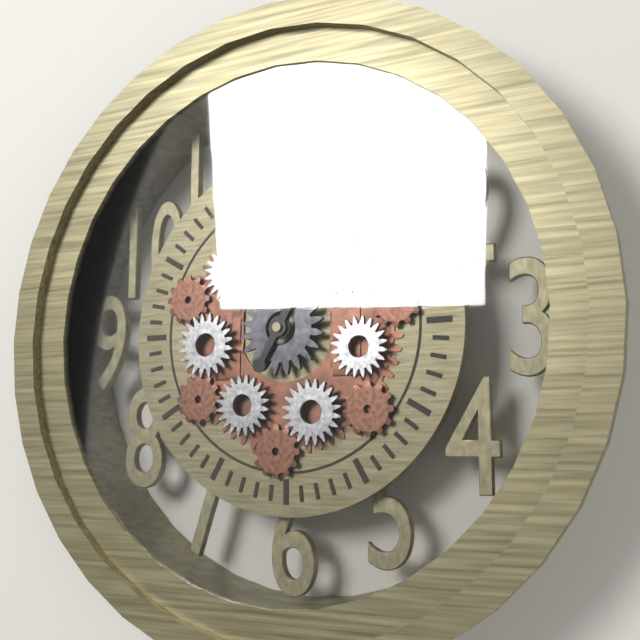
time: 1:05
